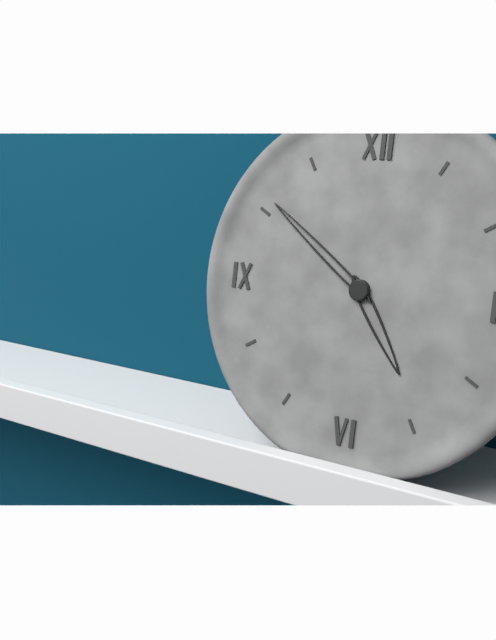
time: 4:51
